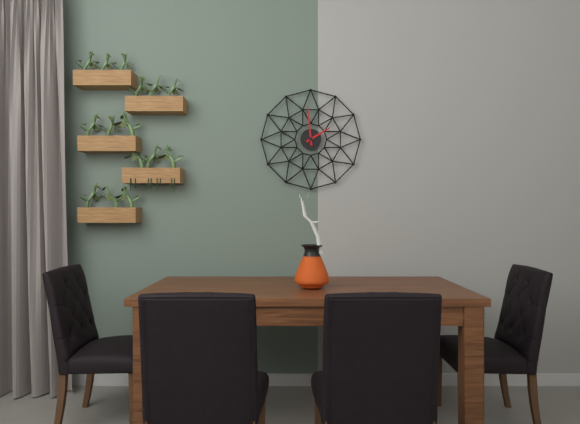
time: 1:59
